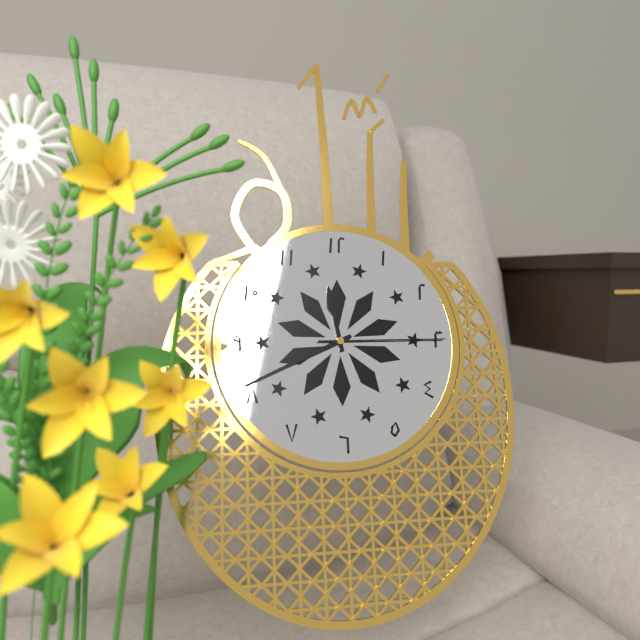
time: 11:41:15
